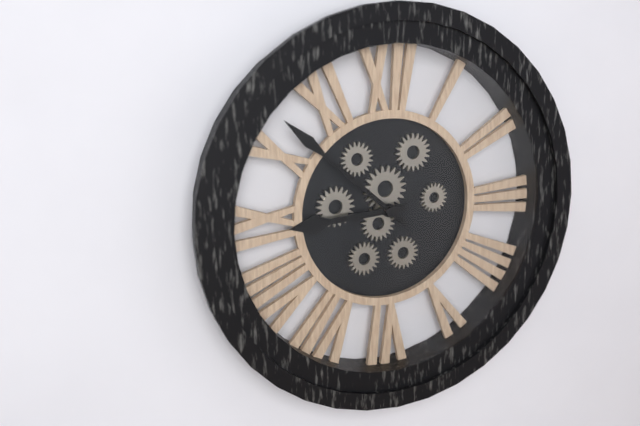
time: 8:52
